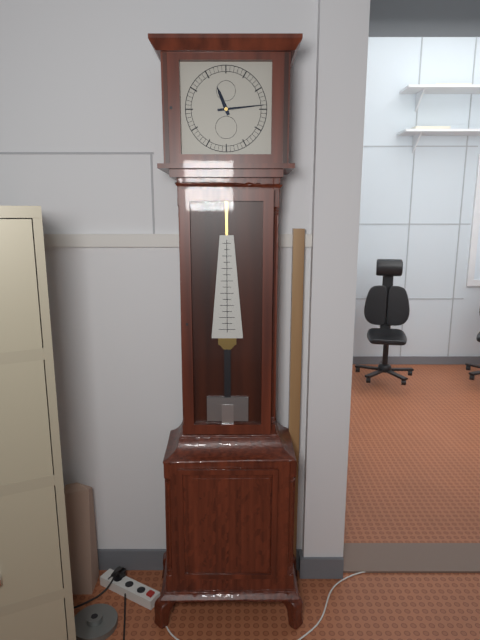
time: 11:14
